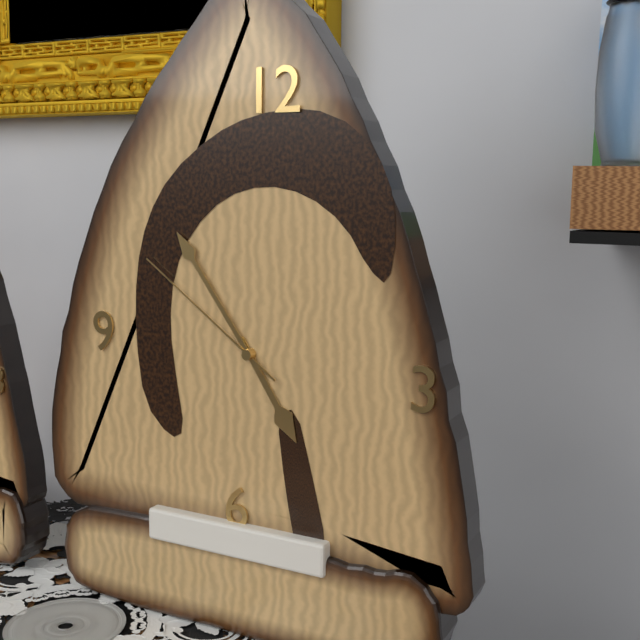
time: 4:54:51
